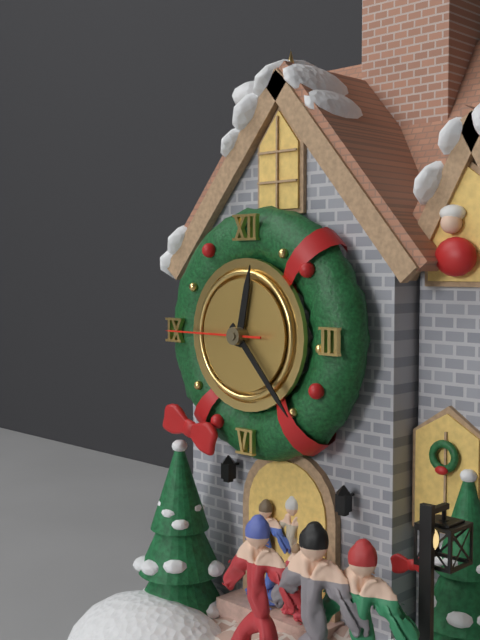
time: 12:23:45
